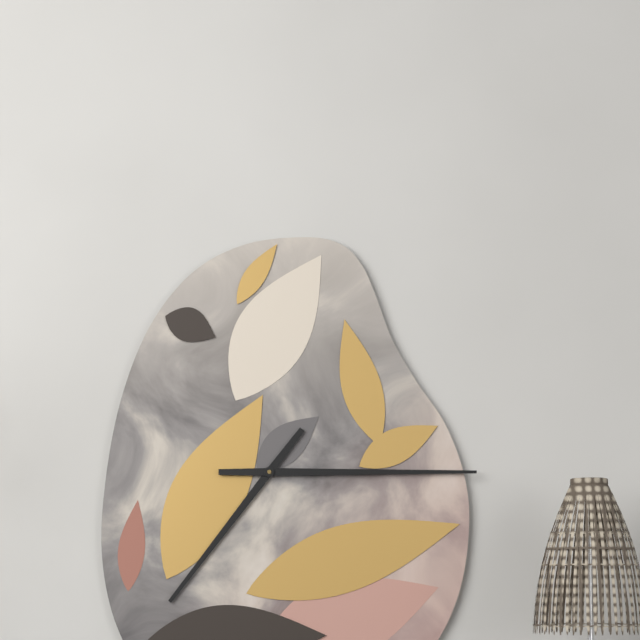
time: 7:15
